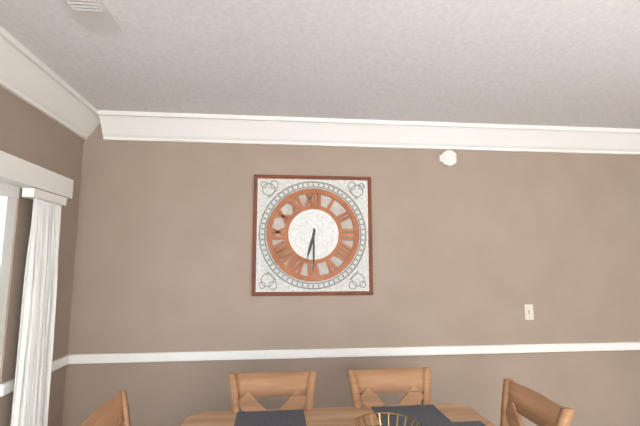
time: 6:30
